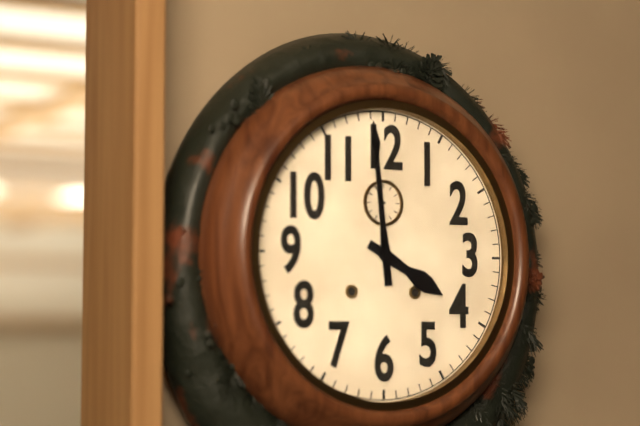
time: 3:59
